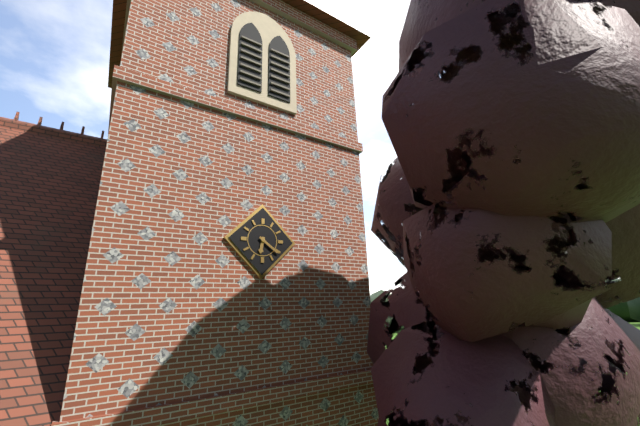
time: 6:21
